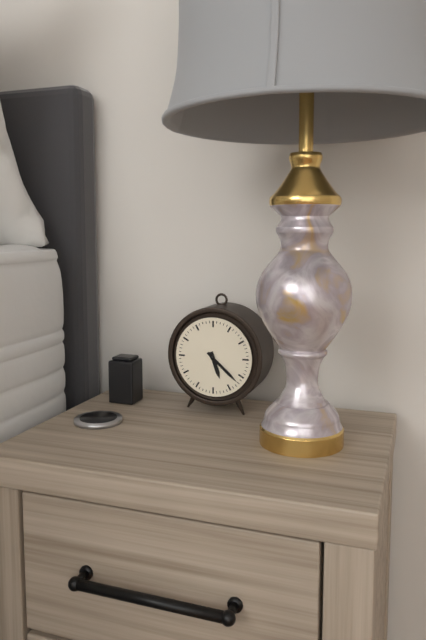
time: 5:22
